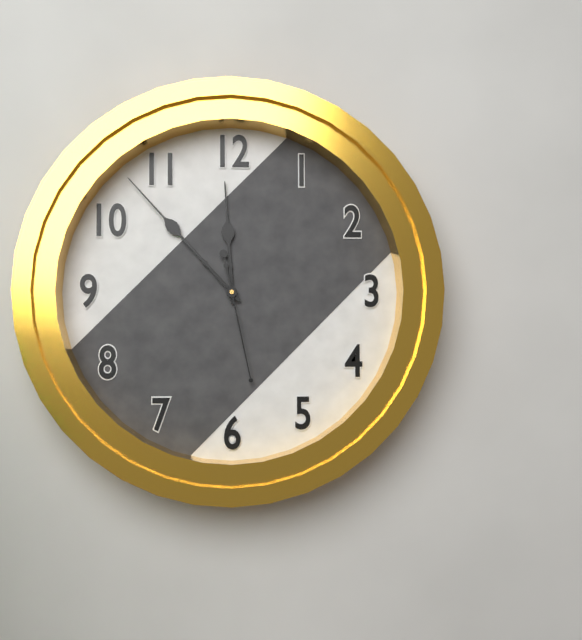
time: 11:53:28
